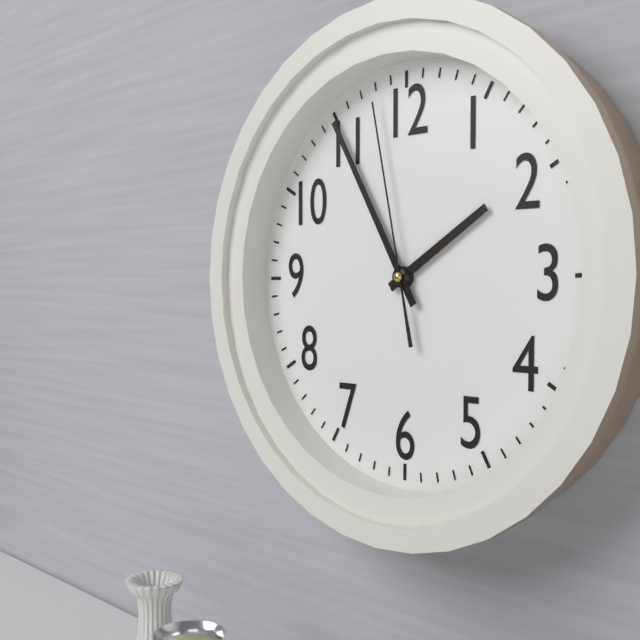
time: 1:55:58
